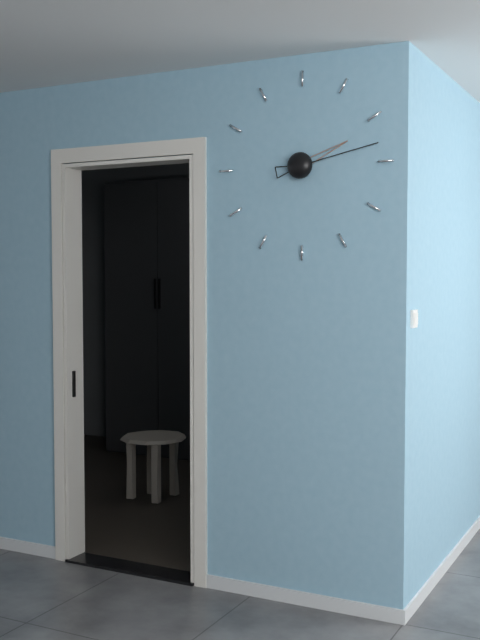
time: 2:13
